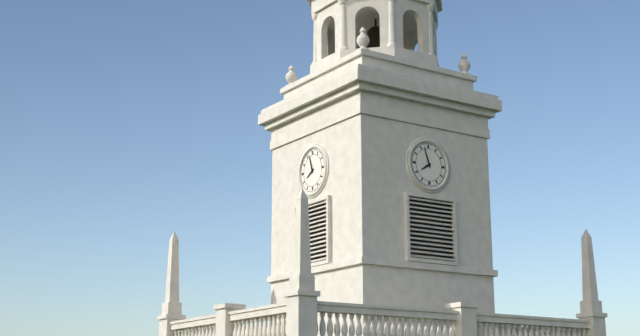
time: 7:57
